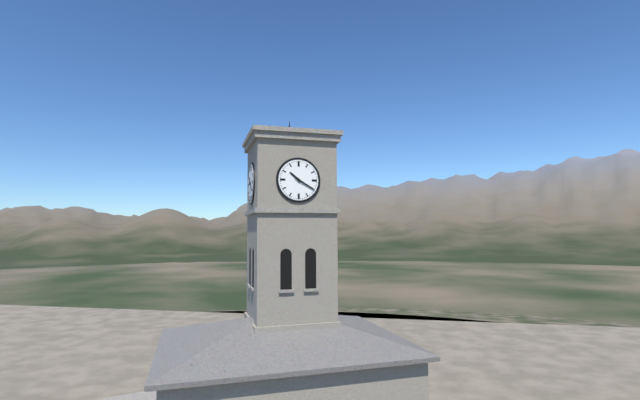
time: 10:20
